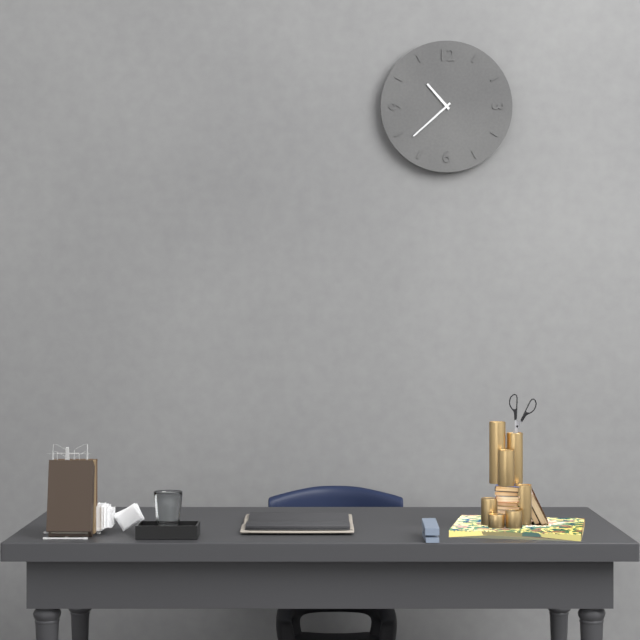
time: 10:38
